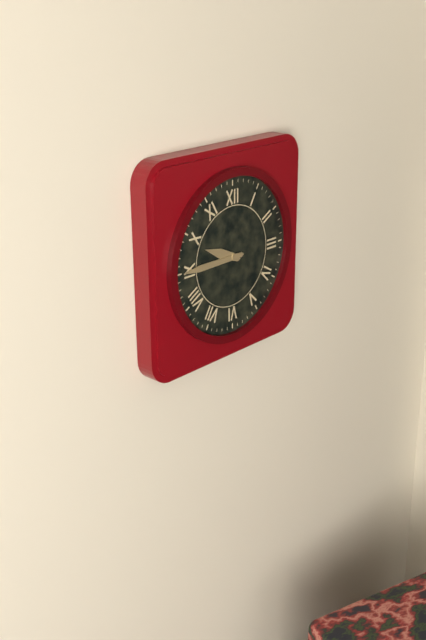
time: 9:45
